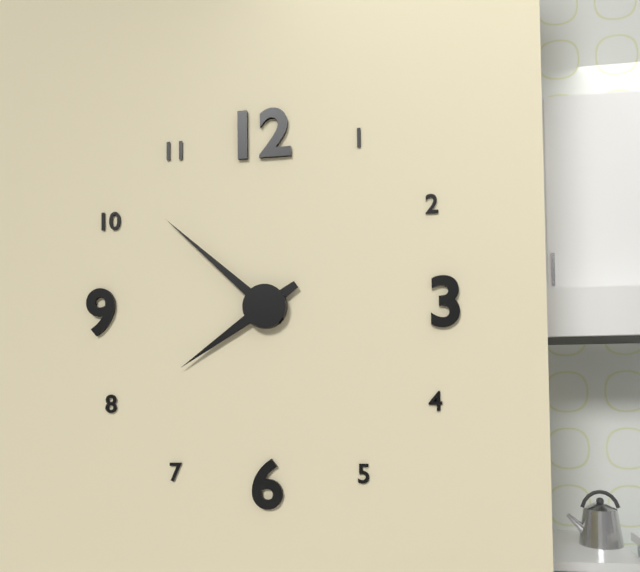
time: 7:52
